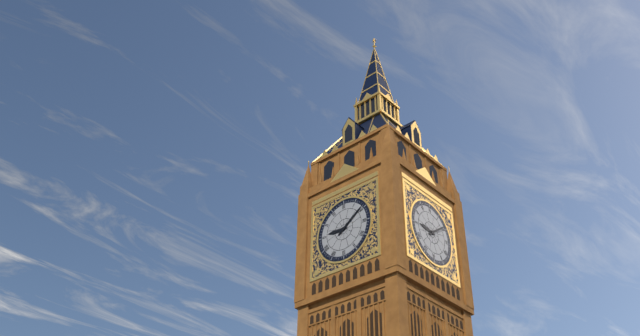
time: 9:09
